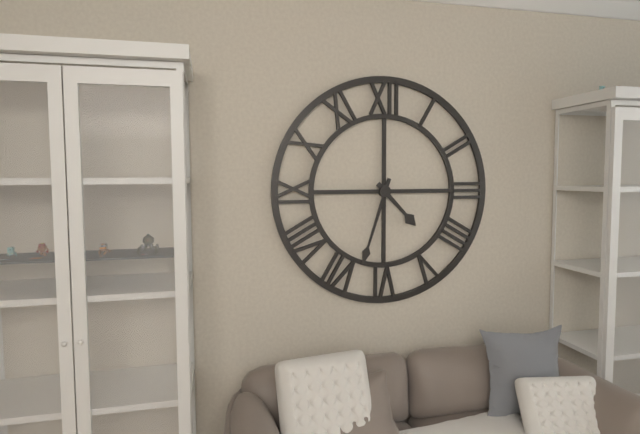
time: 4:33
